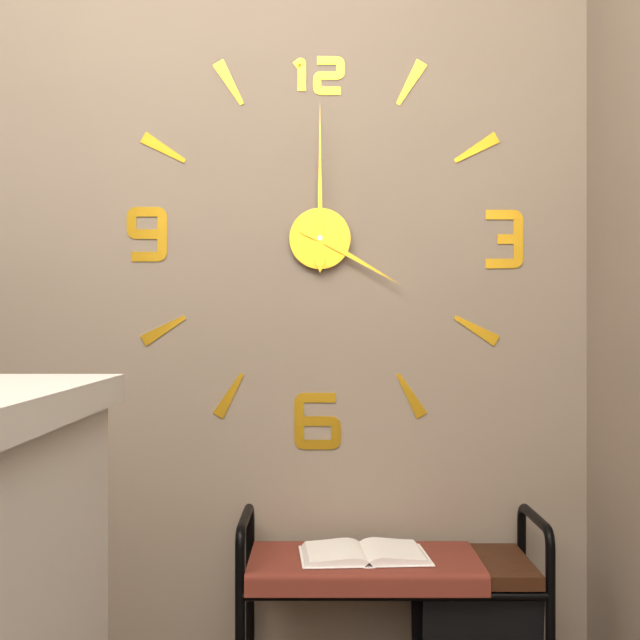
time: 4:00
